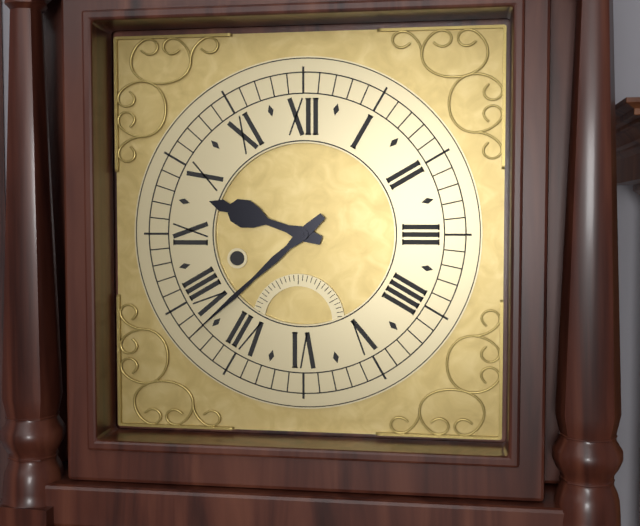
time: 9:38
